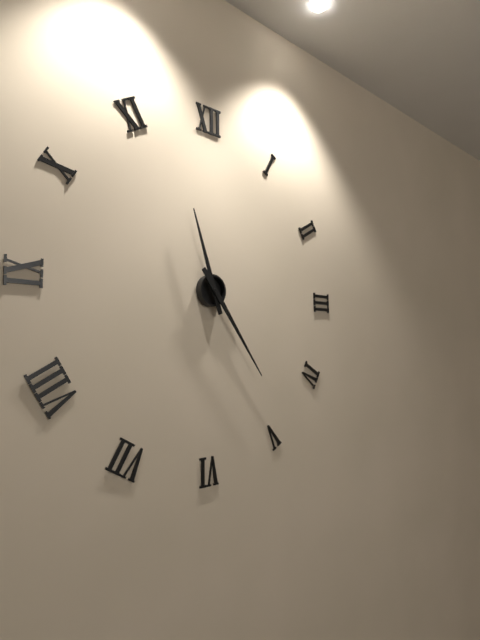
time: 11:24
